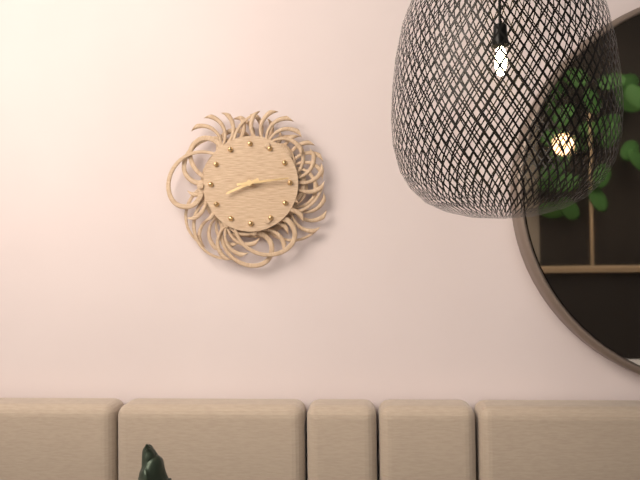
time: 8:14
